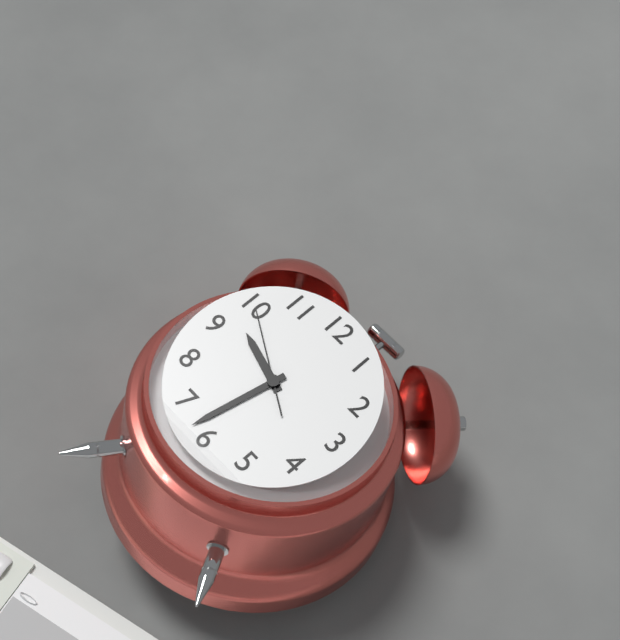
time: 9:32:50
